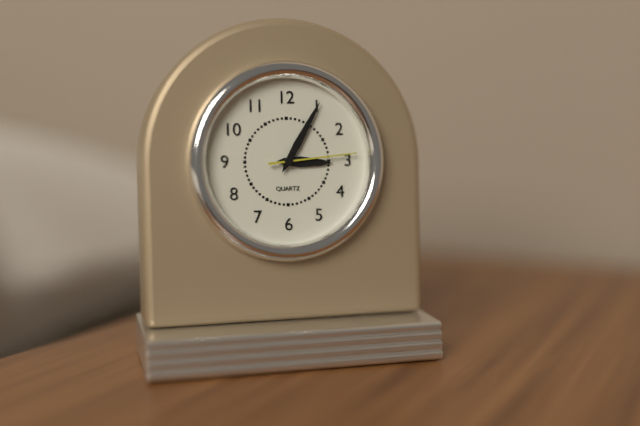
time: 3:05:14
